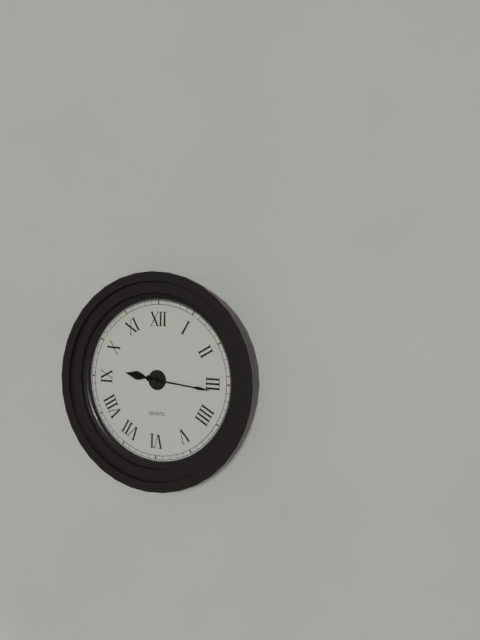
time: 9:16
